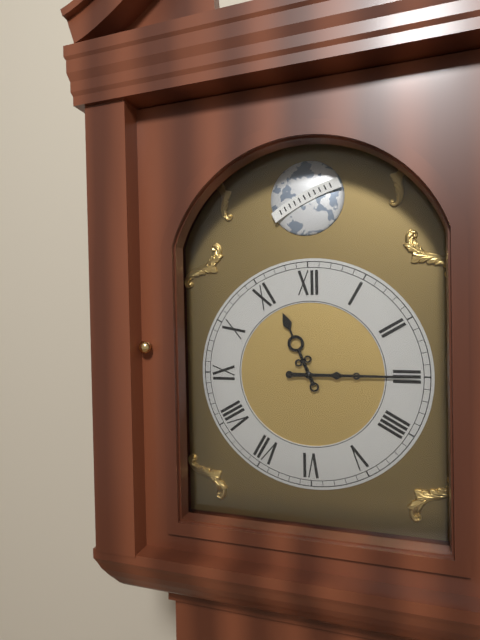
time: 11:15
